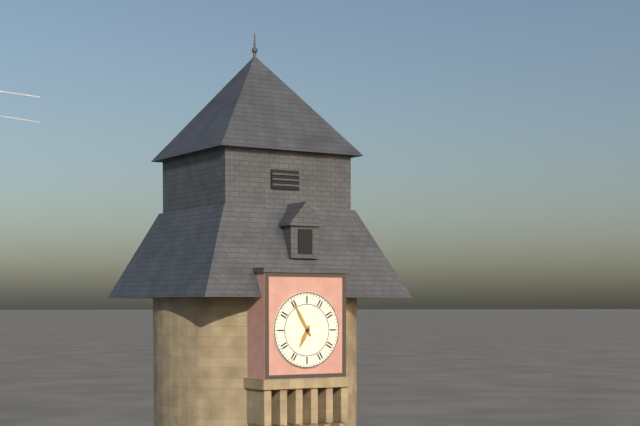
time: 6:55
